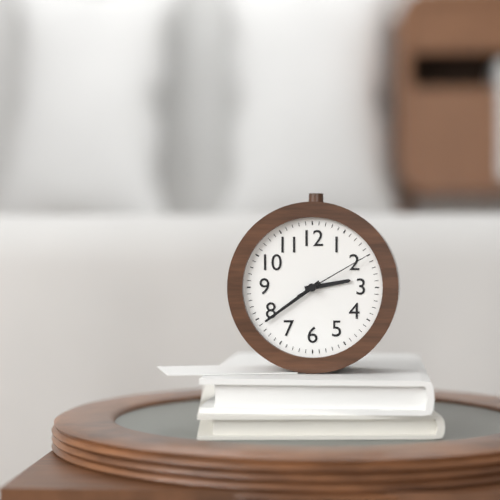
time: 2:39:10
